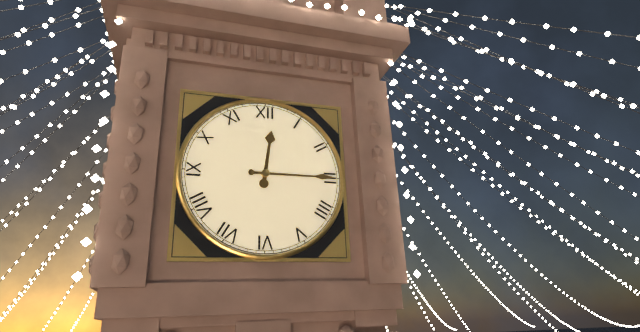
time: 12:15
